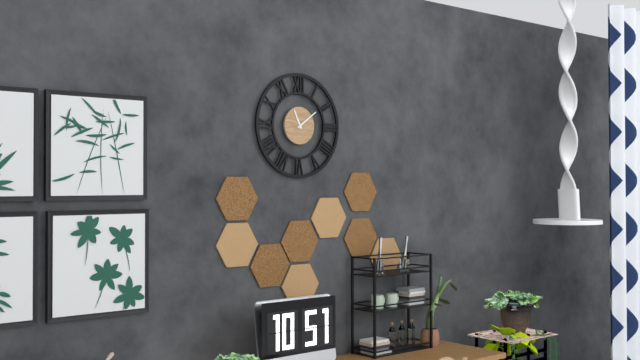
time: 11:09
